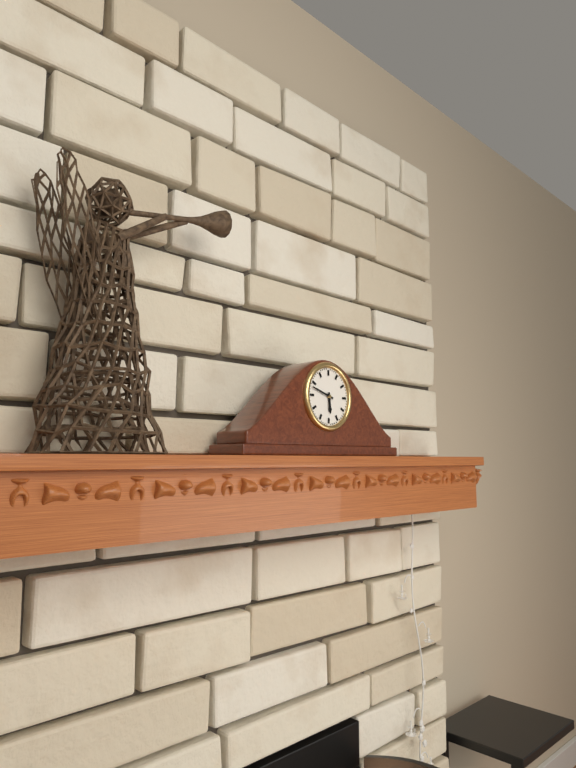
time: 5:48
